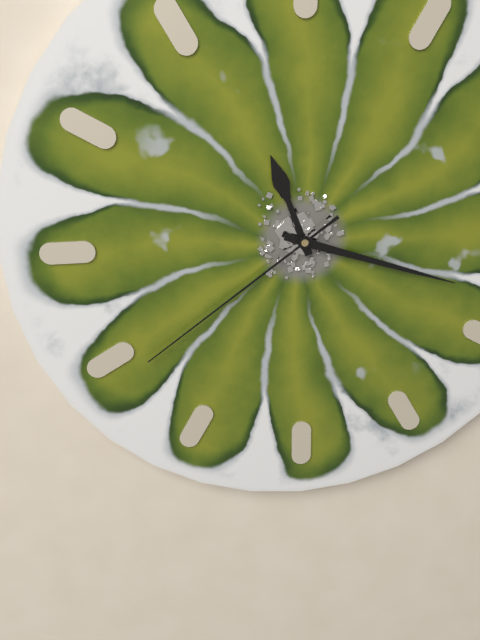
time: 11:18:39
